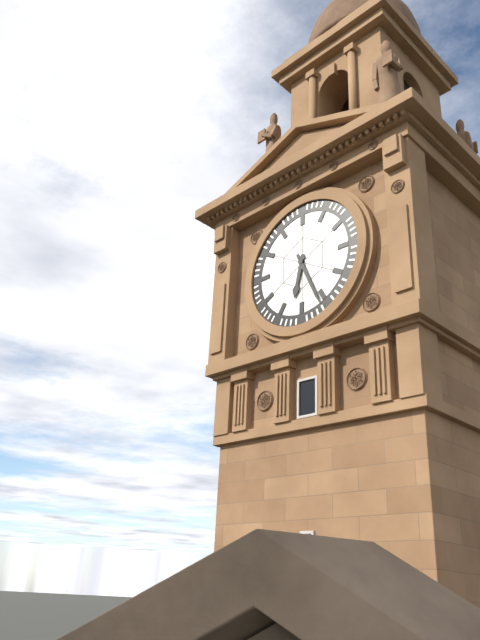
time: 6:26
